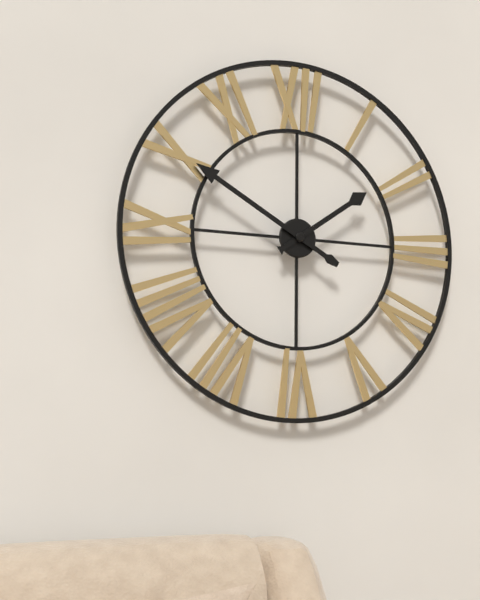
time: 1:50
